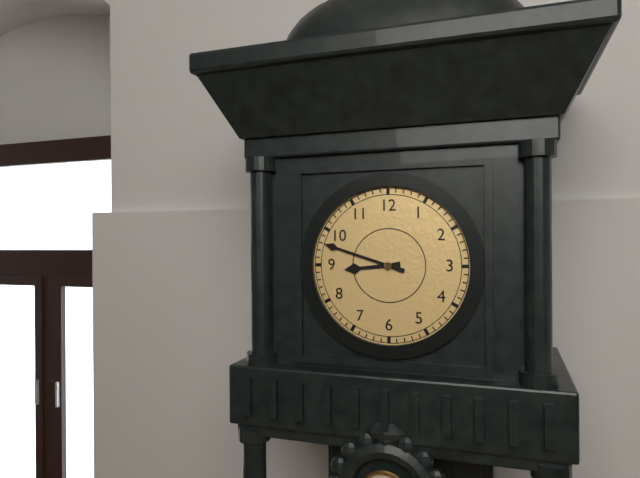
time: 8:48
